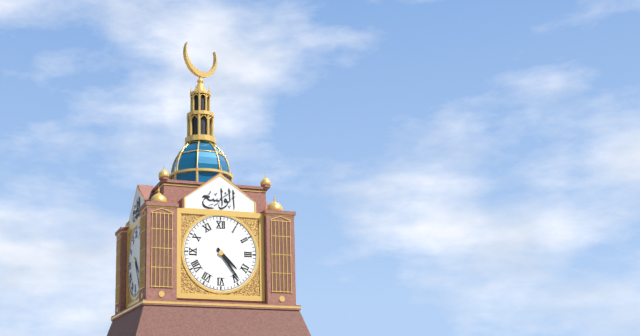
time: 4:24
